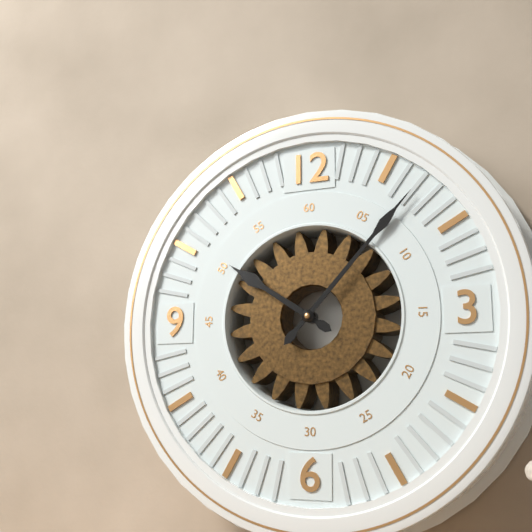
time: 10:07
